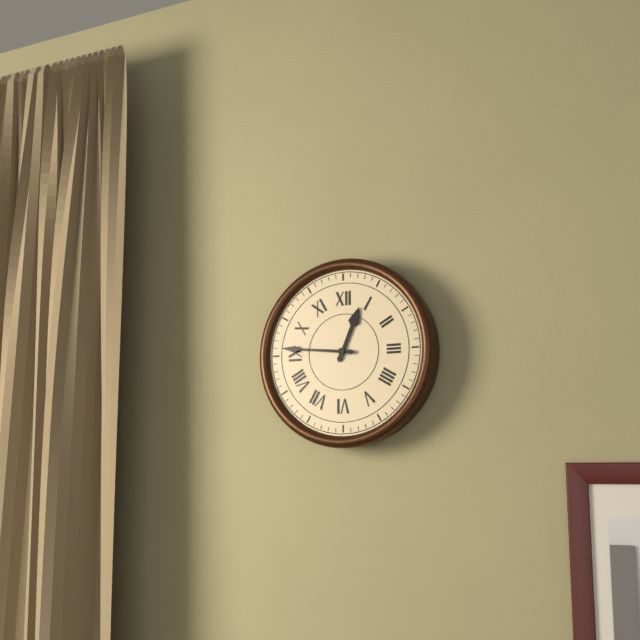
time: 12:46
